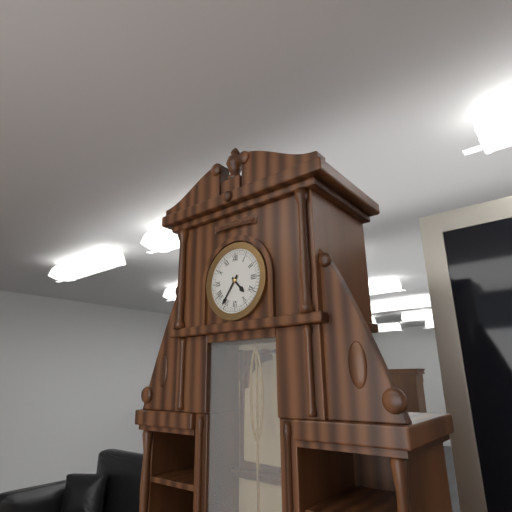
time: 4:36
